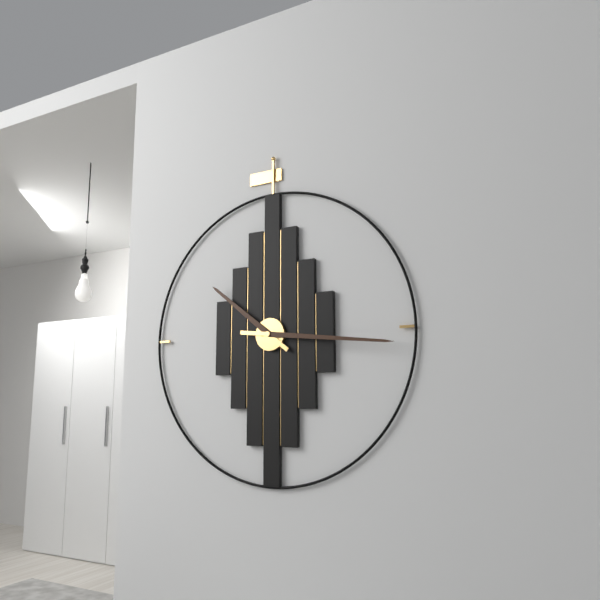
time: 10:16
